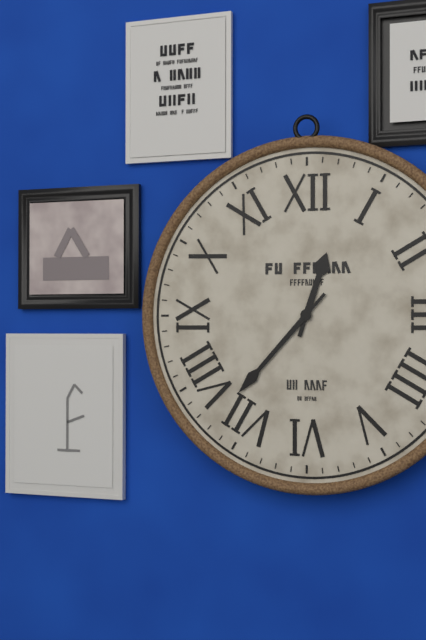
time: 12:37
